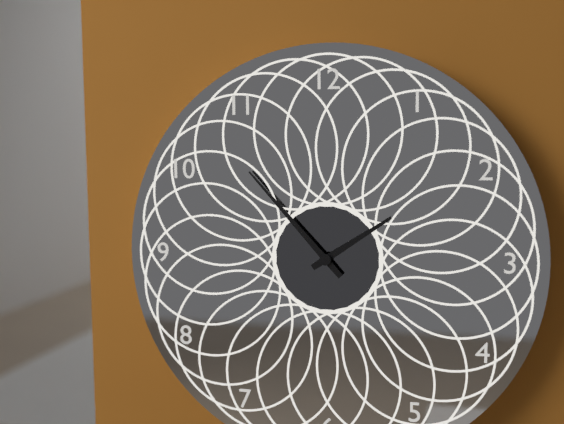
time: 1:53
